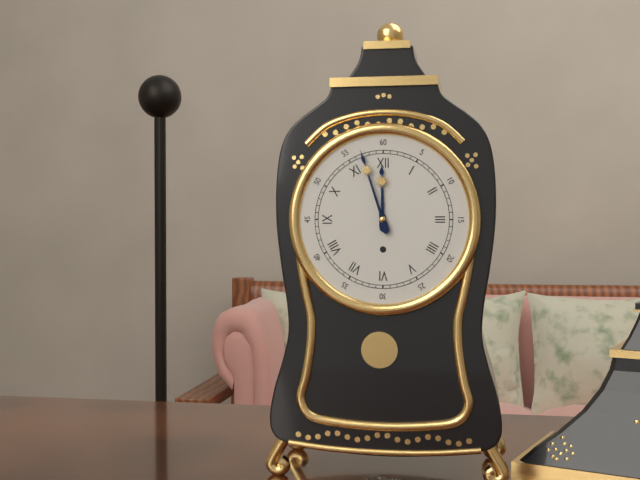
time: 11:57
